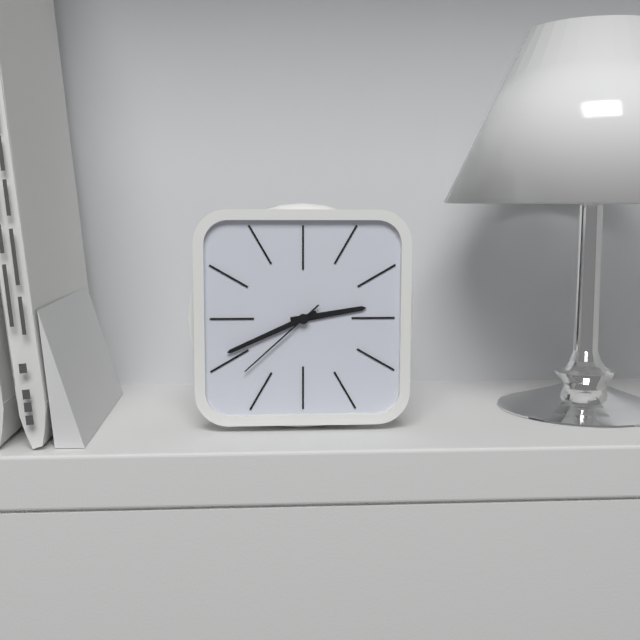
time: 2:41:38
